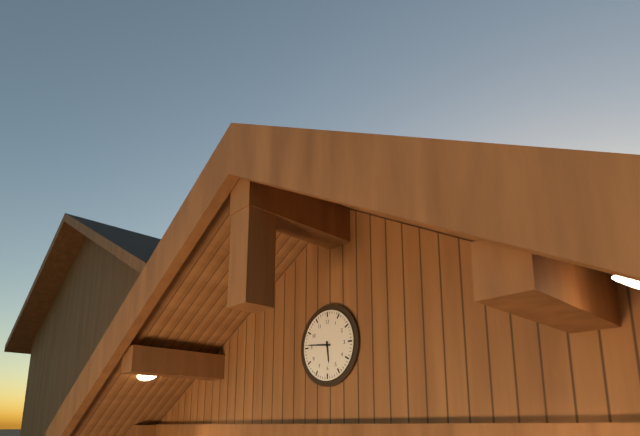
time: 5:46
